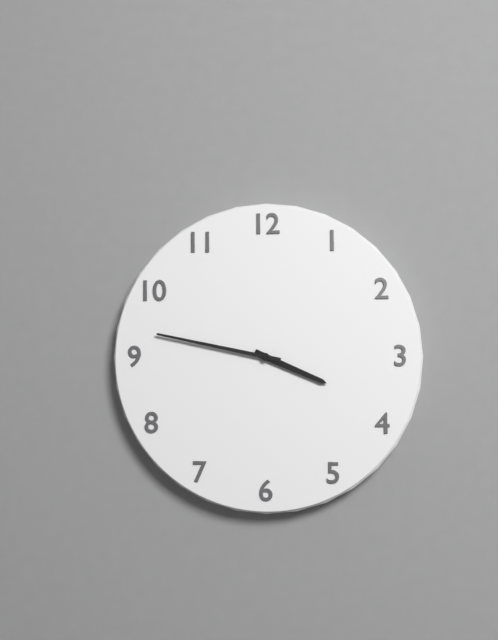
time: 3:47
